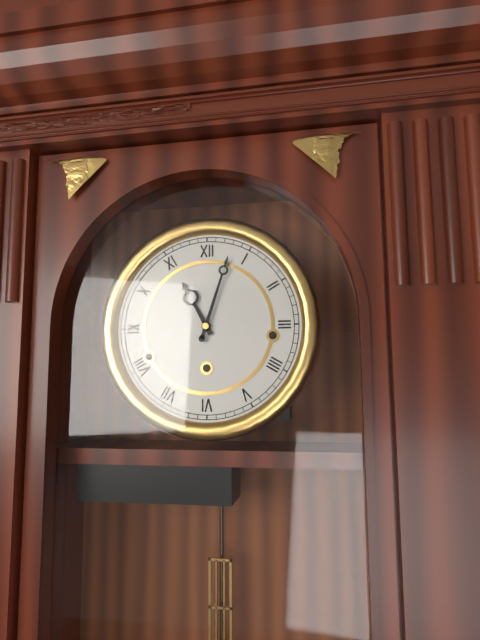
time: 11:03
